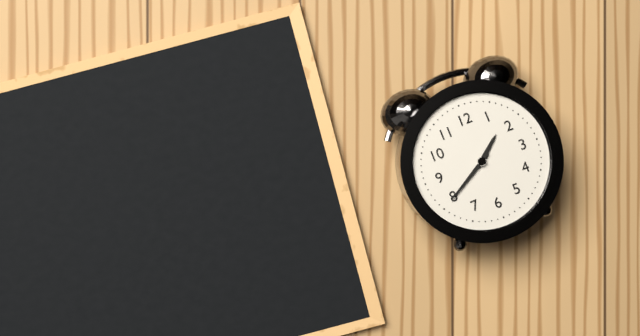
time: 1:40
